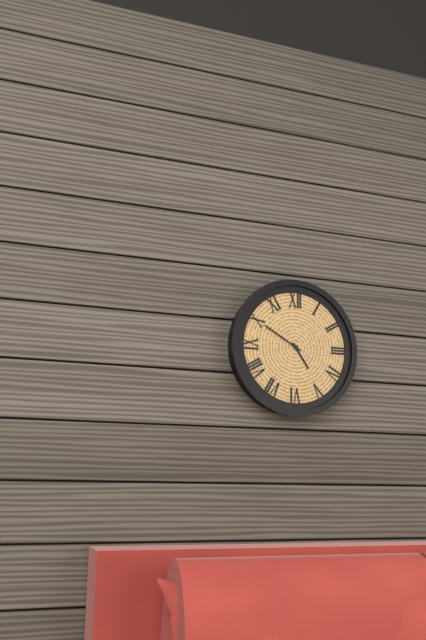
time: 4:50
